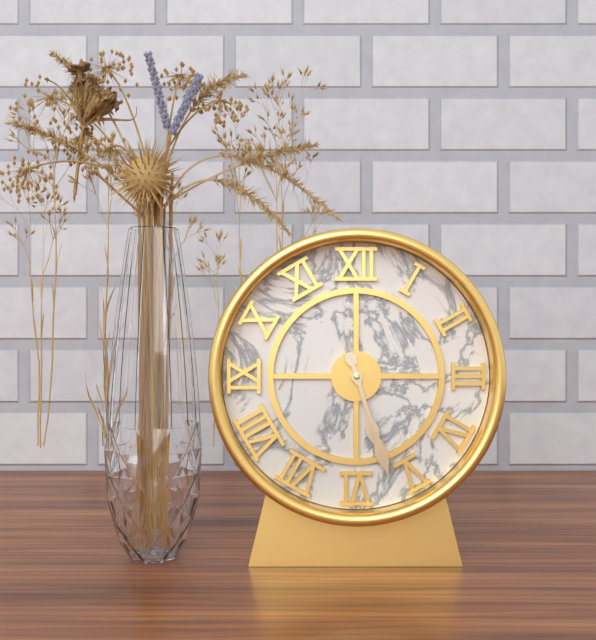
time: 5:27
